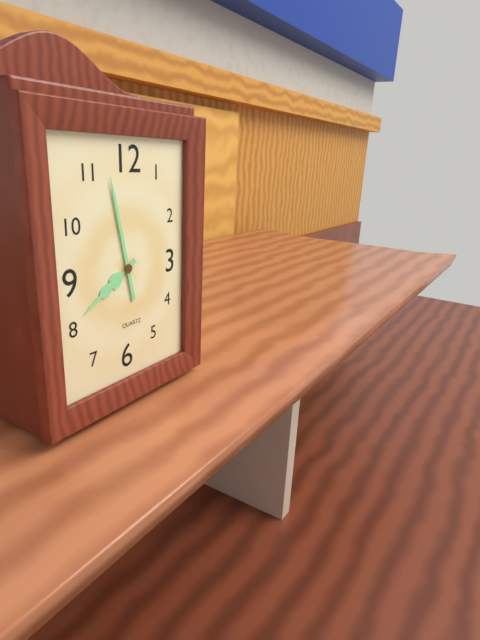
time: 7:58
